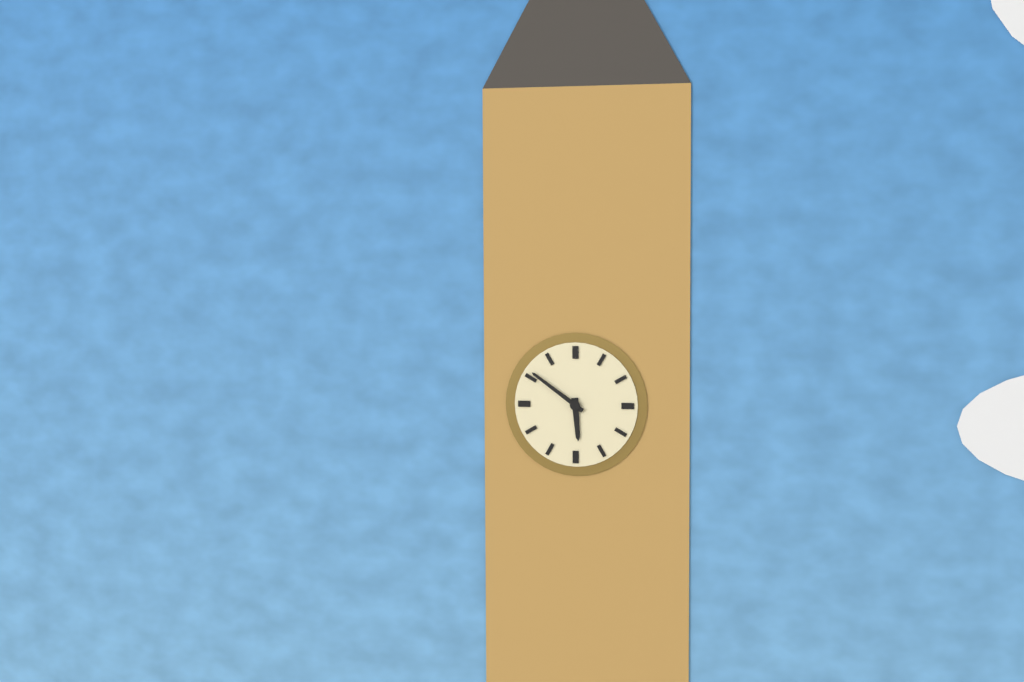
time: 5:51
